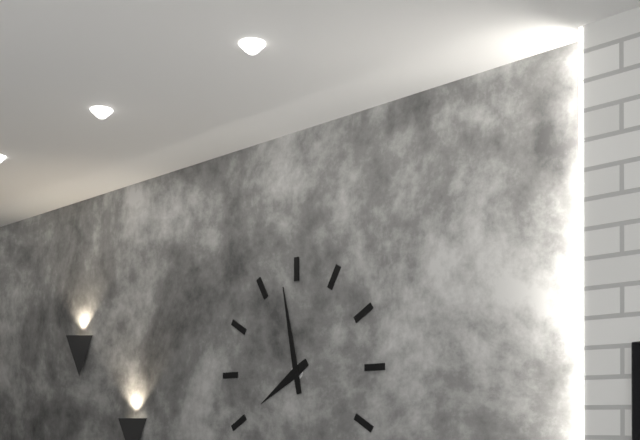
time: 7:58
